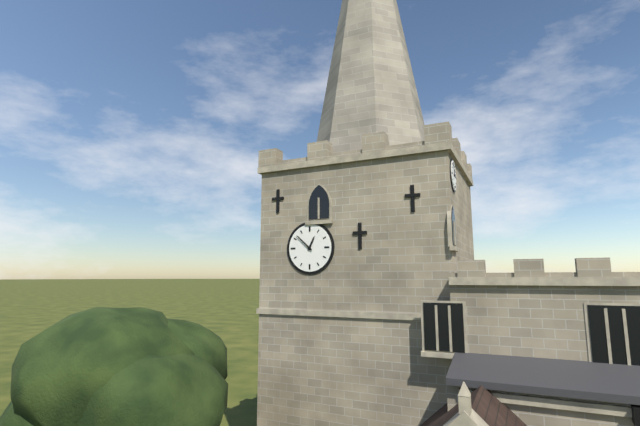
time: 12:52
